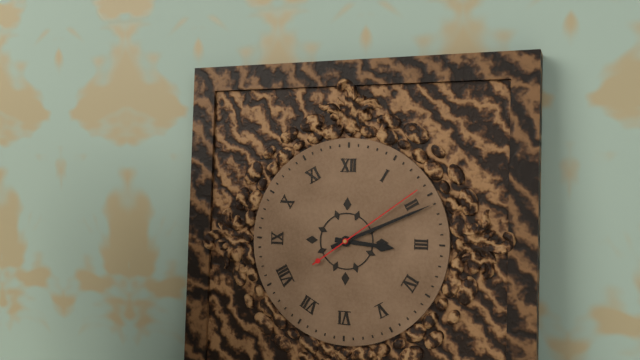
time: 3:11:09
